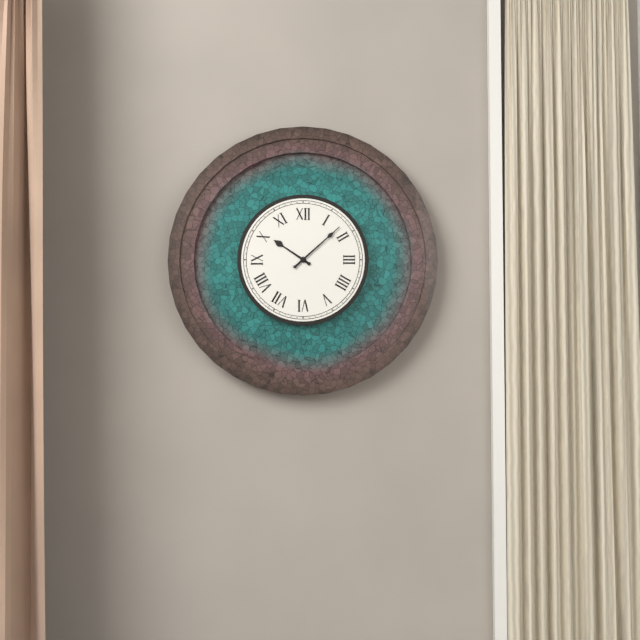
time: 10:08
